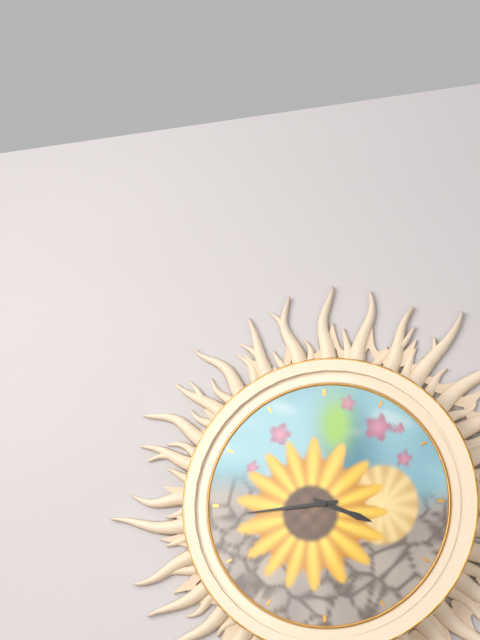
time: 3:44
